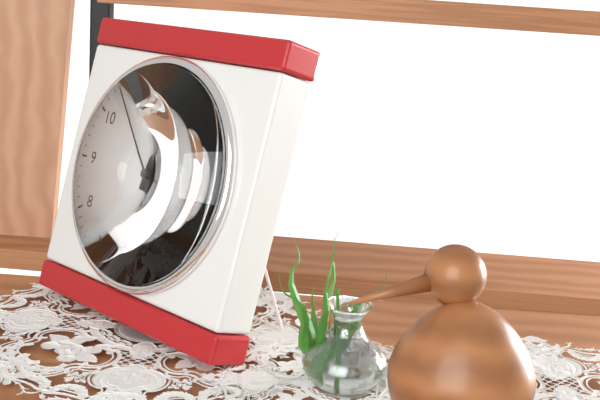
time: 12:01:53
